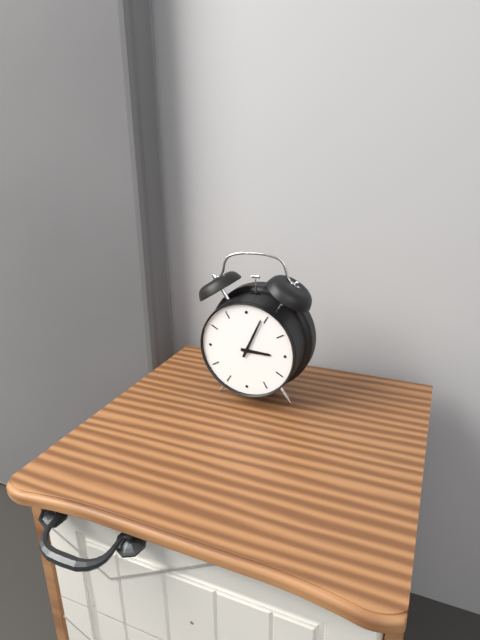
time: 3:04
